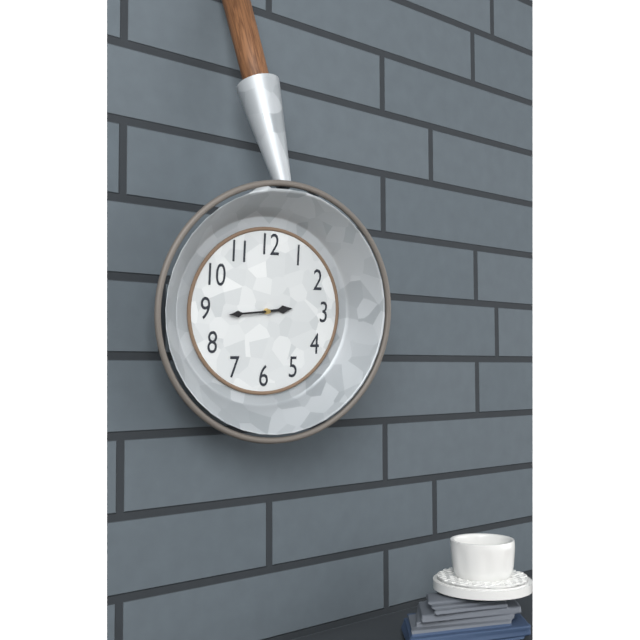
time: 2:44
